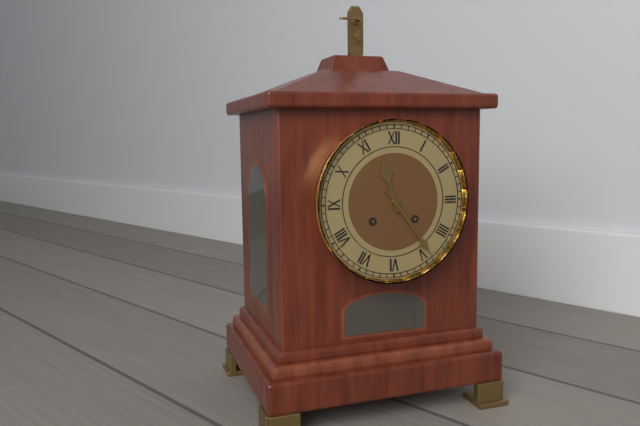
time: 11:24
